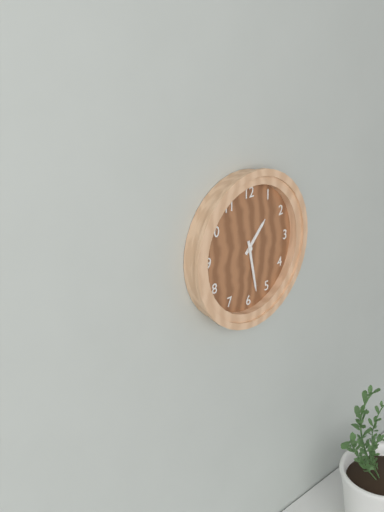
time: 1:28
